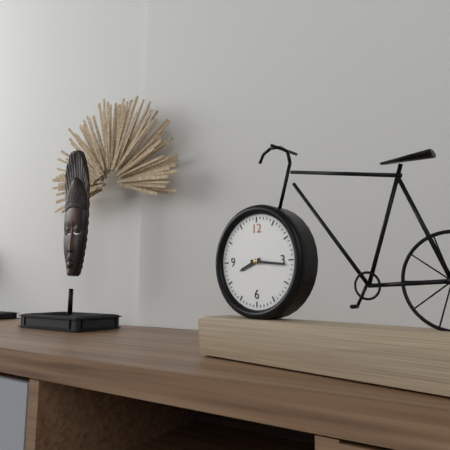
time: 8:16
